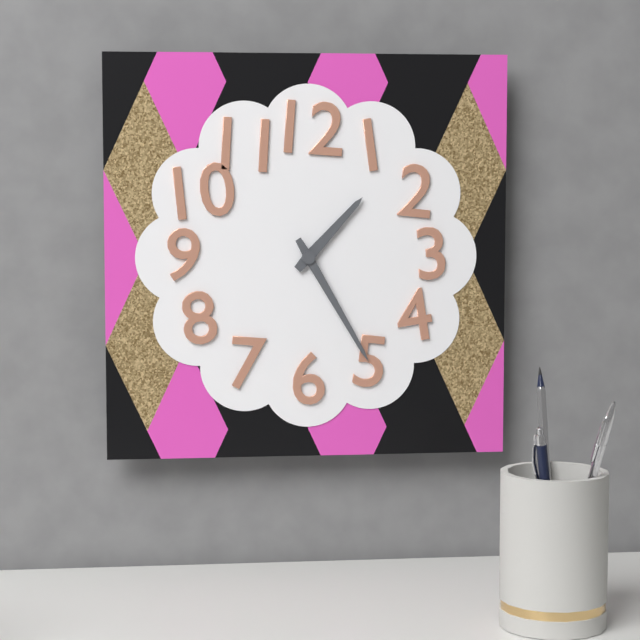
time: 1:25
